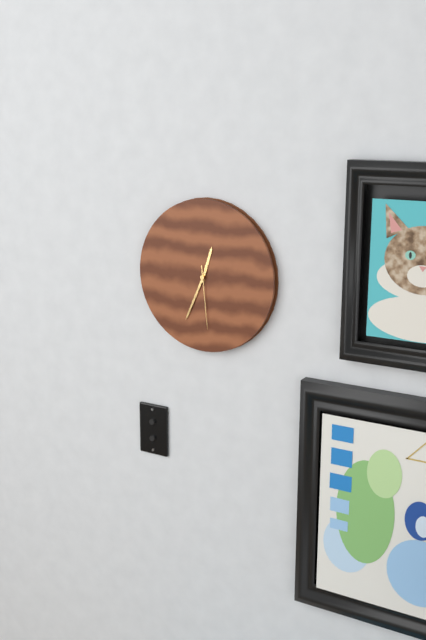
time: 12:34:29
